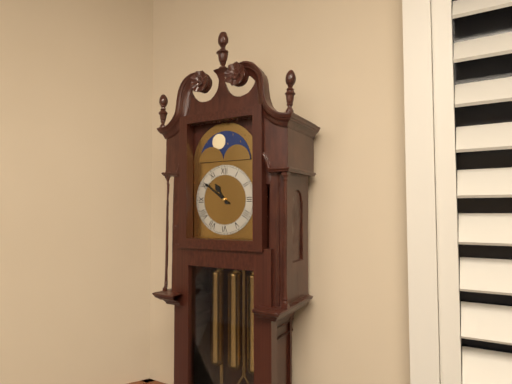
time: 10:51
